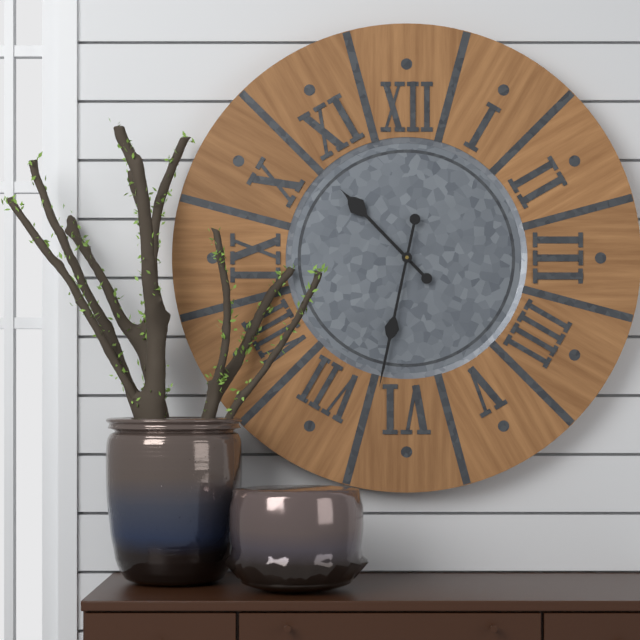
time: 10:32
